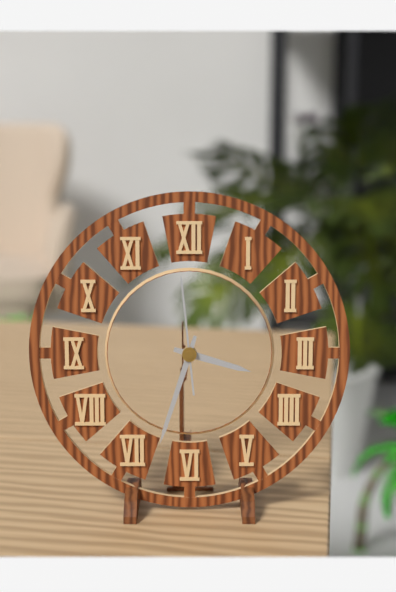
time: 3:33:59
